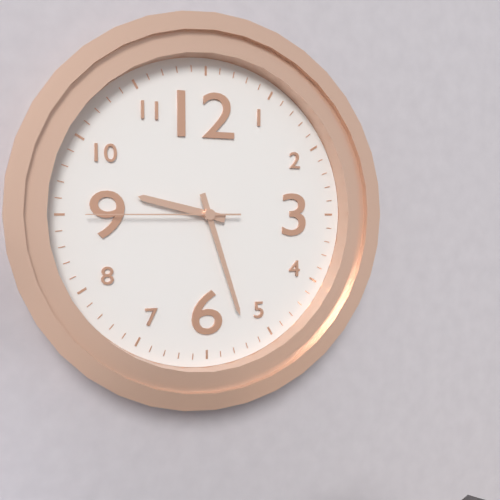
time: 9:27:45
